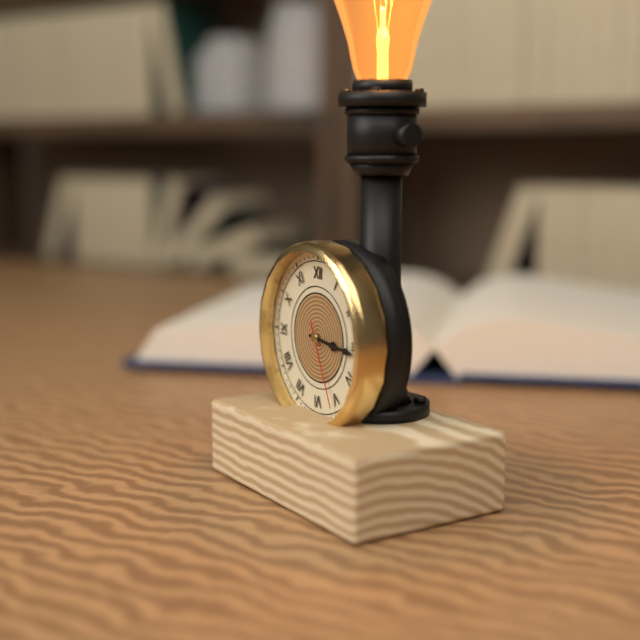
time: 3:16:26
